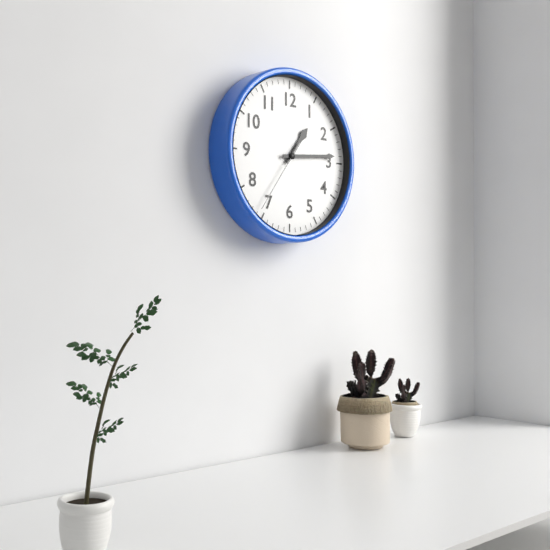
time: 1:14:36
